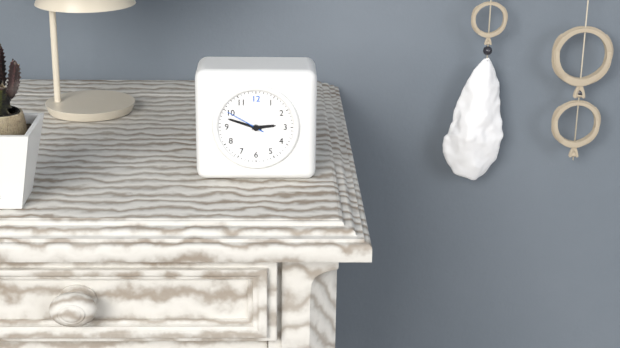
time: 2:48
